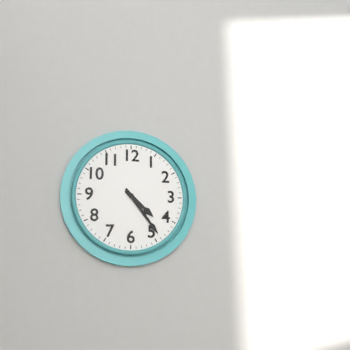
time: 4:24
